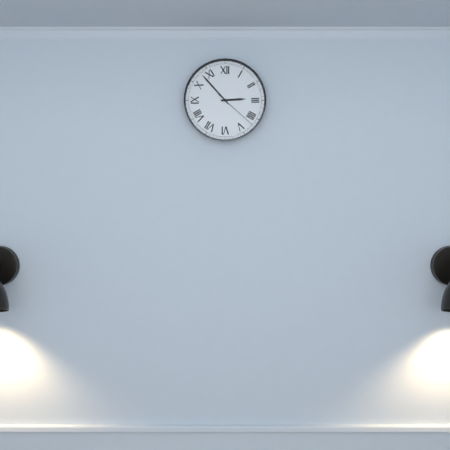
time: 2:53
